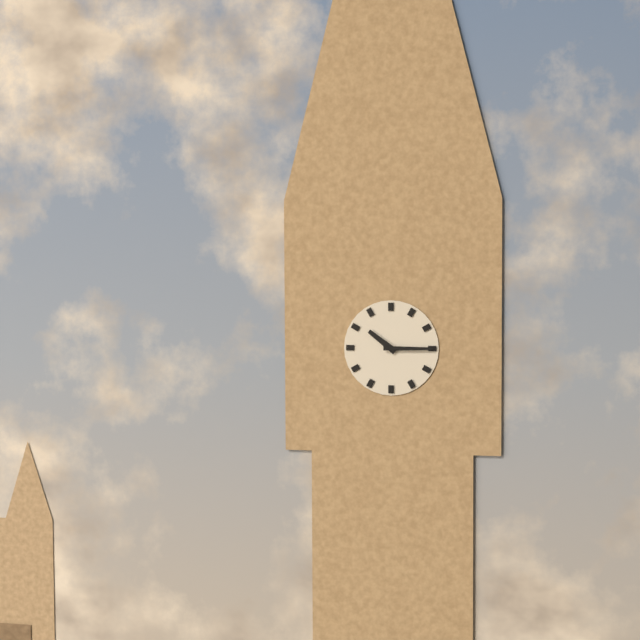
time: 10:15
